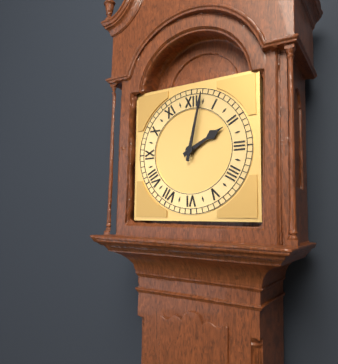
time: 2:02
